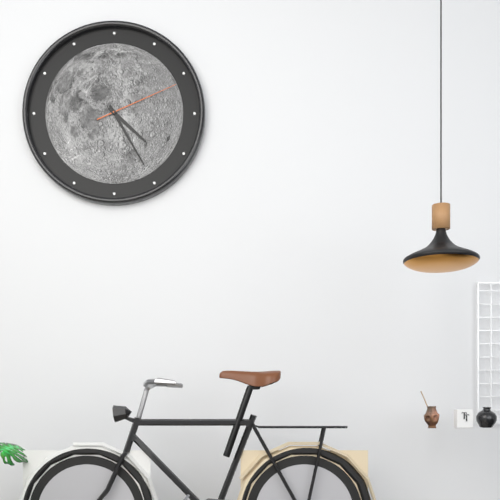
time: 4:25:11
